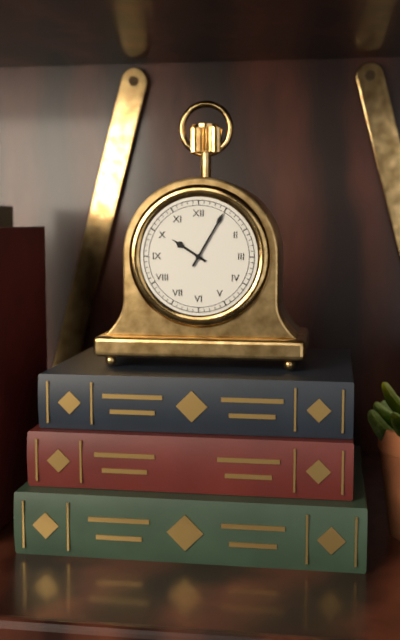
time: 10:05
